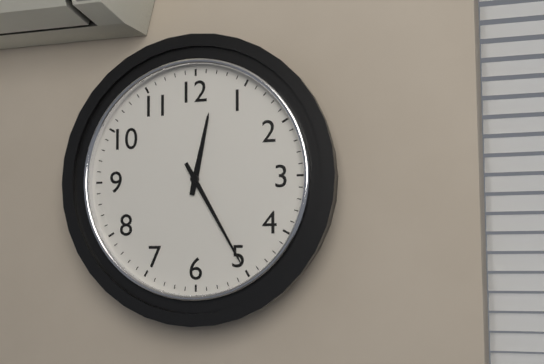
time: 12:25
